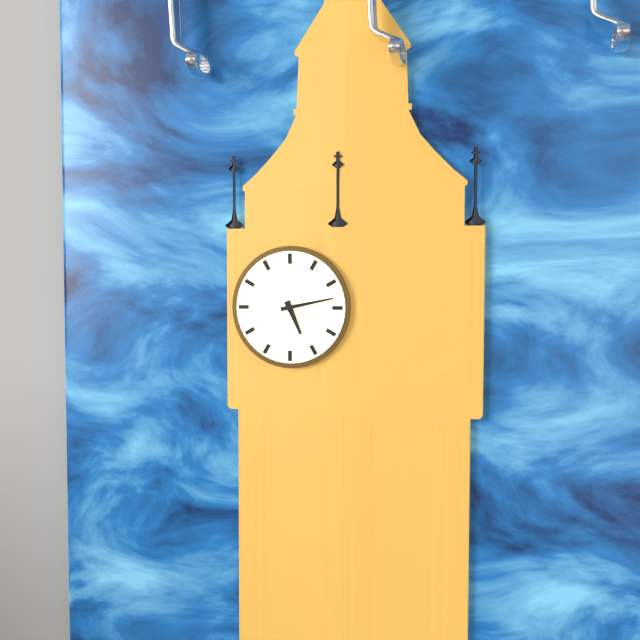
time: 5:13
